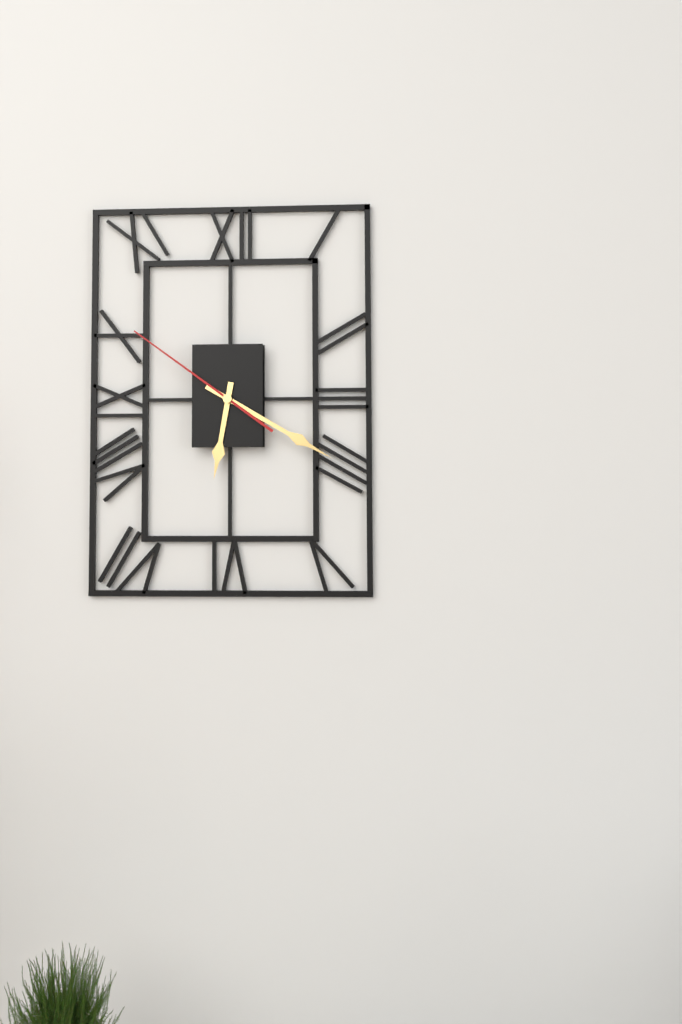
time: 6:20:51
